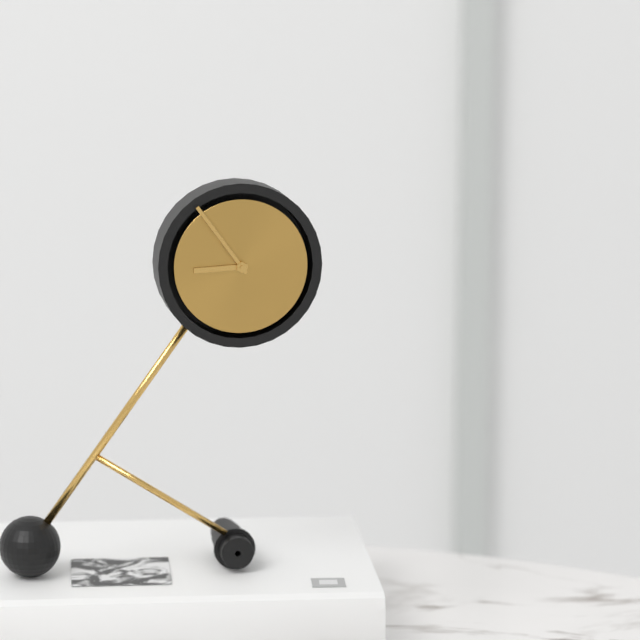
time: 8:54
